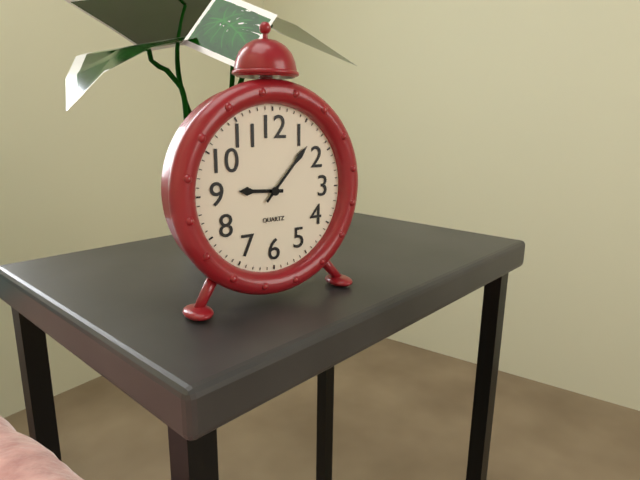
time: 9:07
